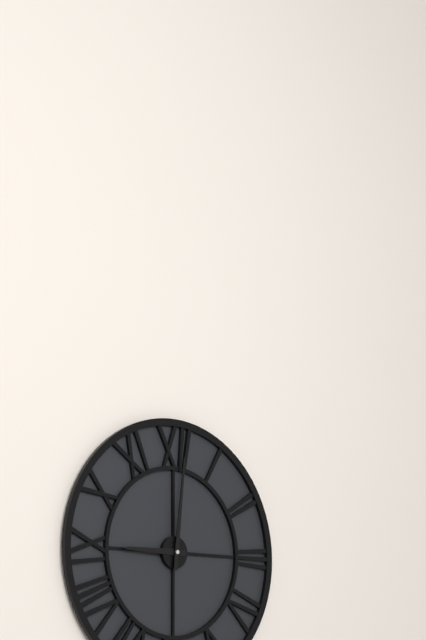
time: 9:01
